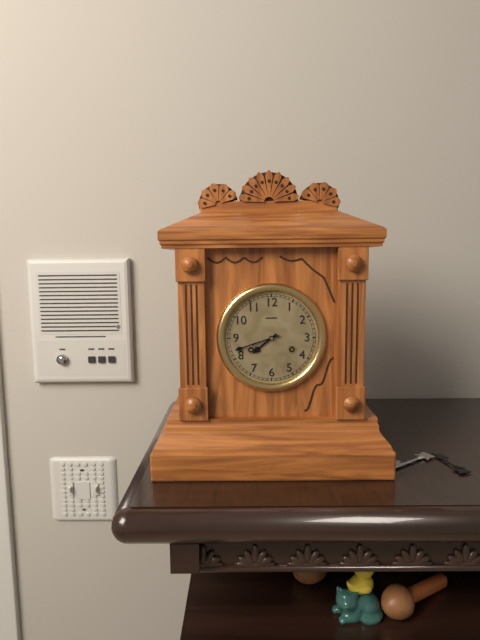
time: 7:42
